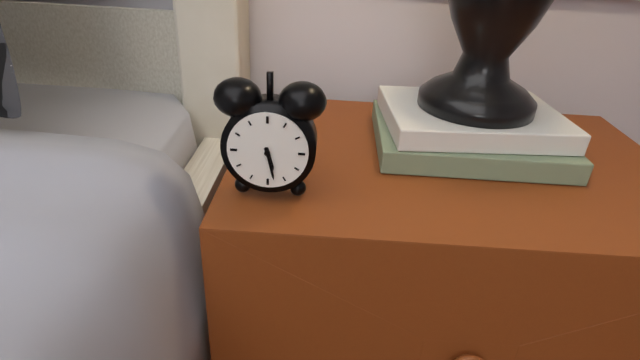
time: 5:28
